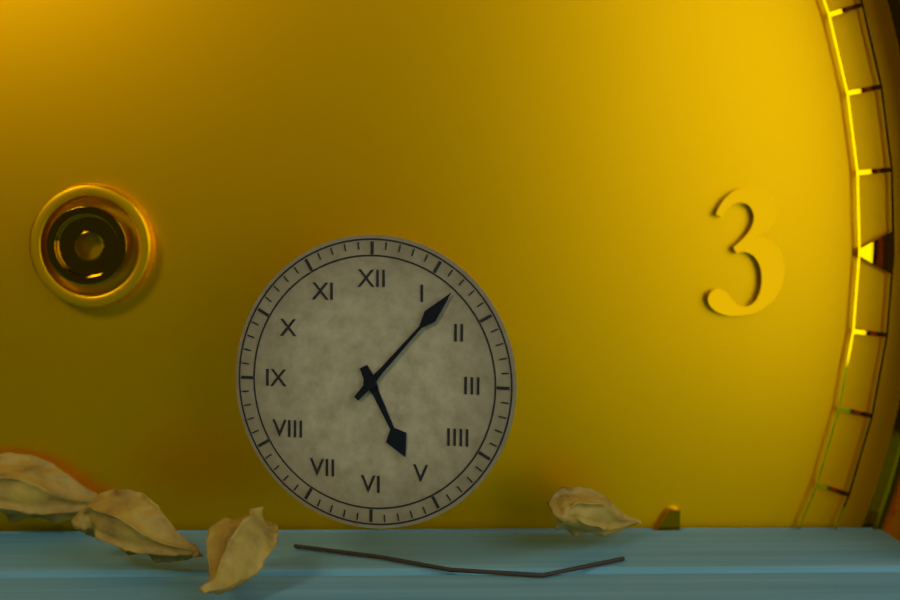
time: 5:07
